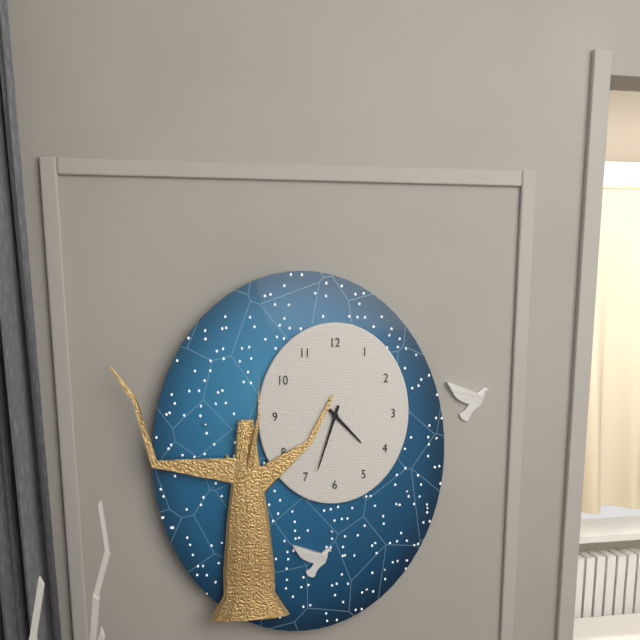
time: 4:33
